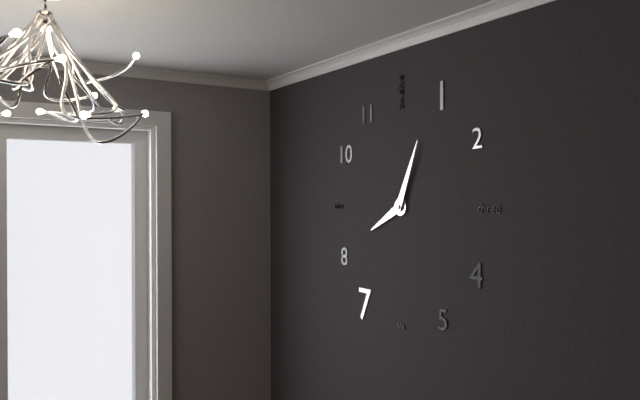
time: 8:04
